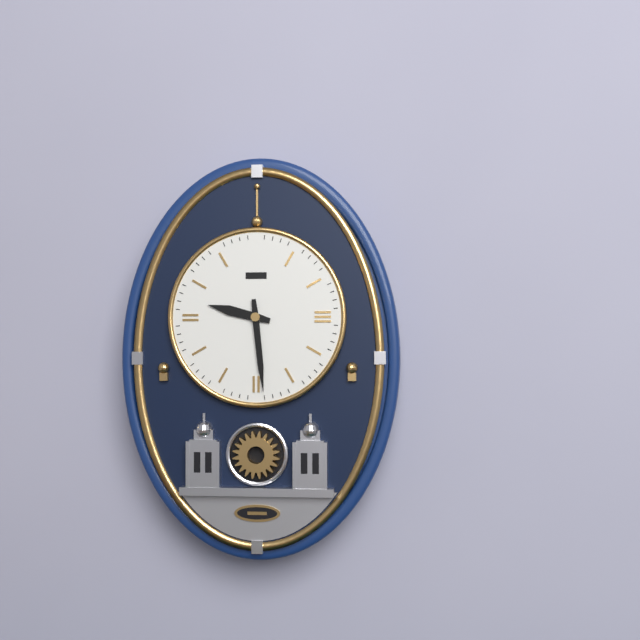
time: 9:29
